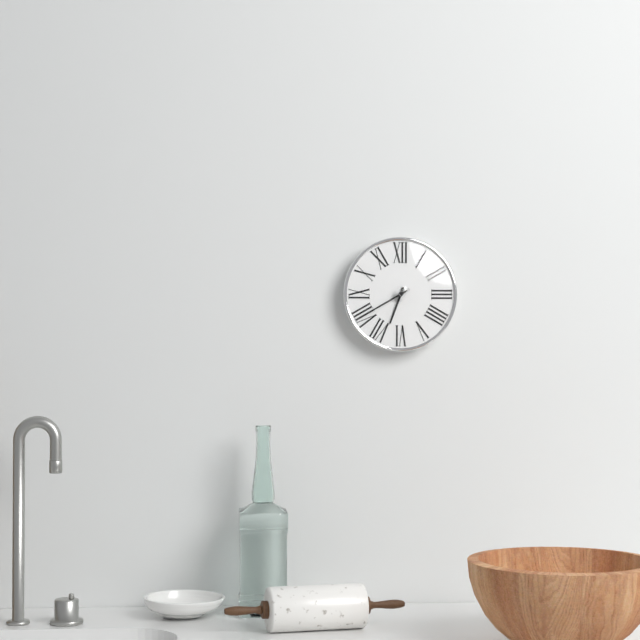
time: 6:40
